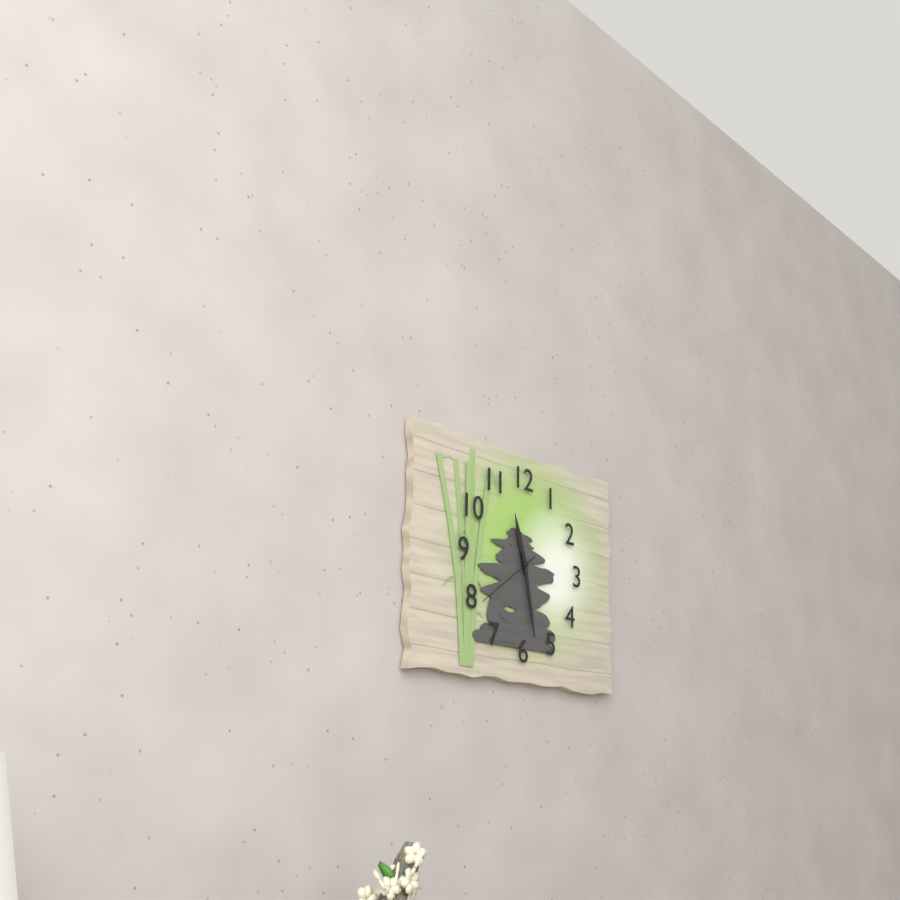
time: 11:28:39
